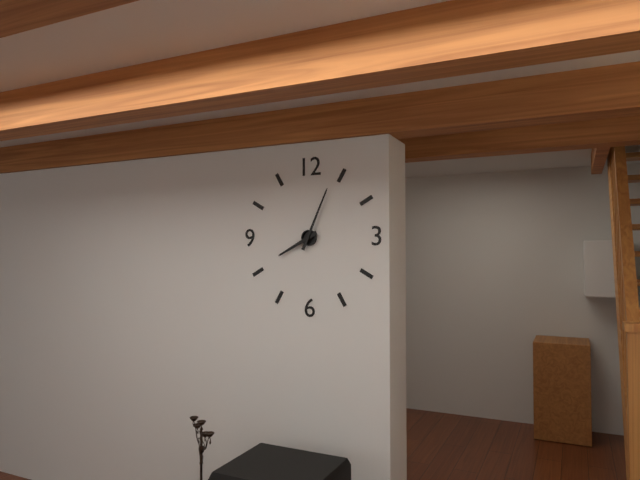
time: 8:04
